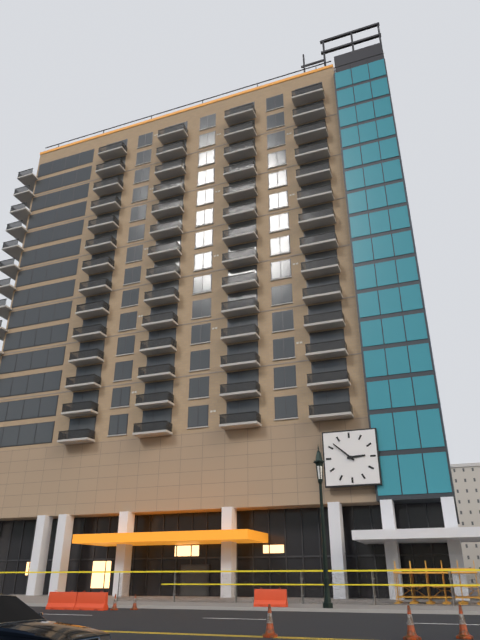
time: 2:52
